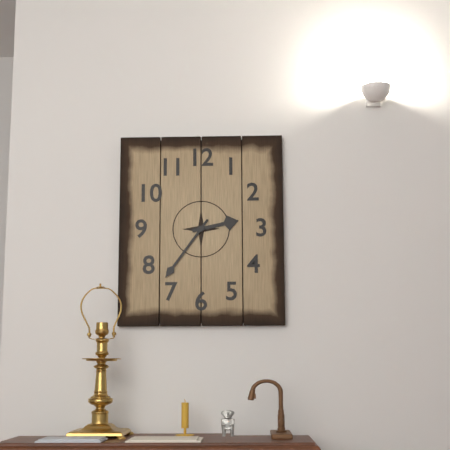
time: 2:36
